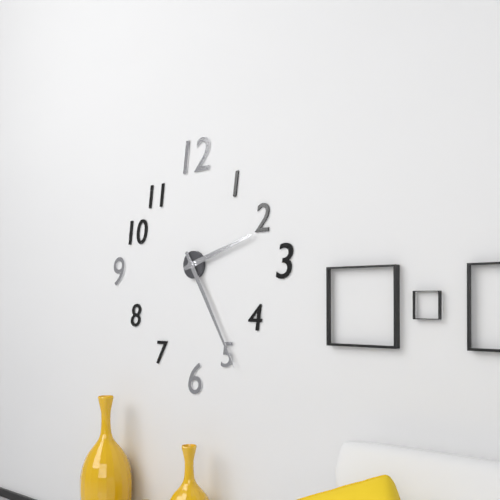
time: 2:25
